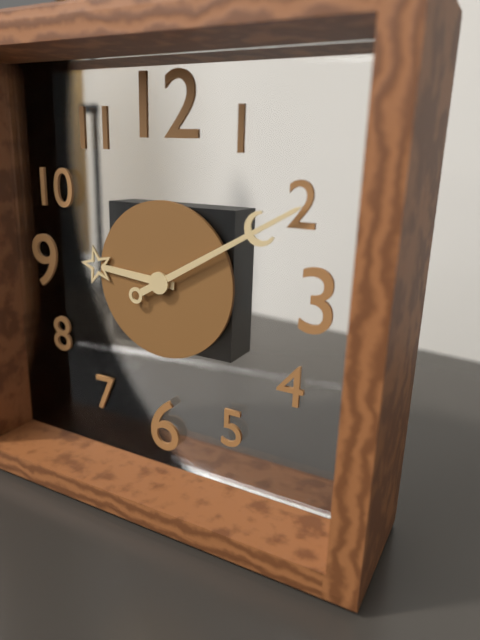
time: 9:10
